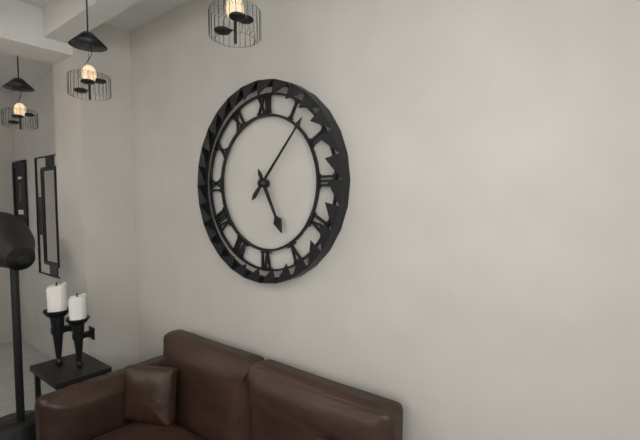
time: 5:07
